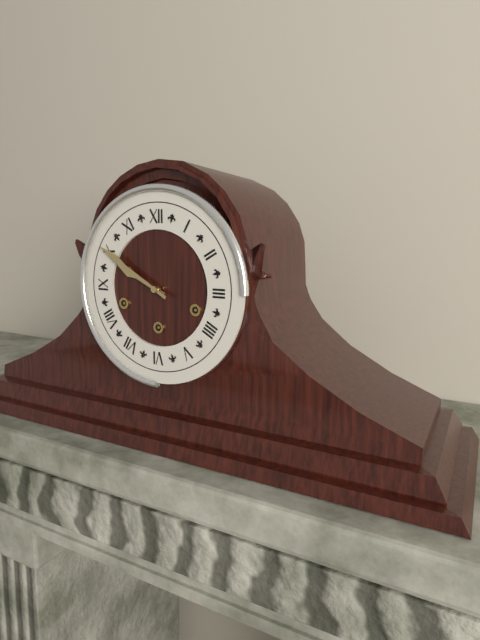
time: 9:50
